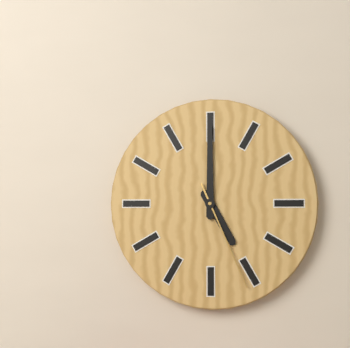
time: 5:00:26
